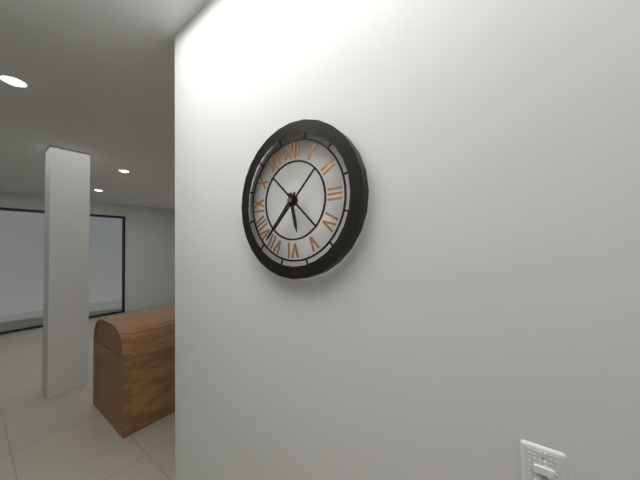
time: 5:37
